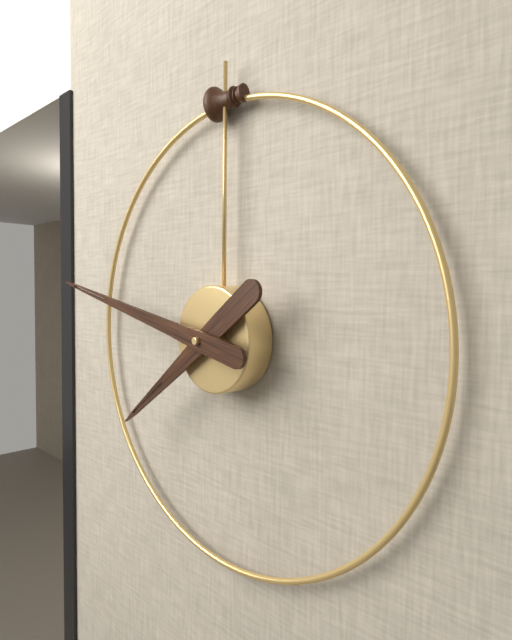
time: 7:47
